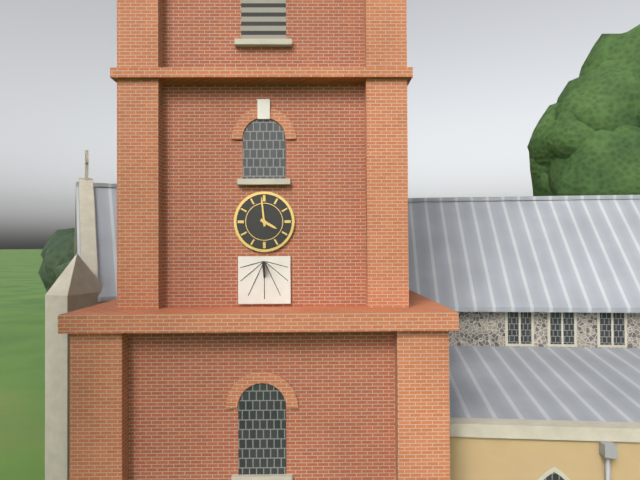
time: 3:59
